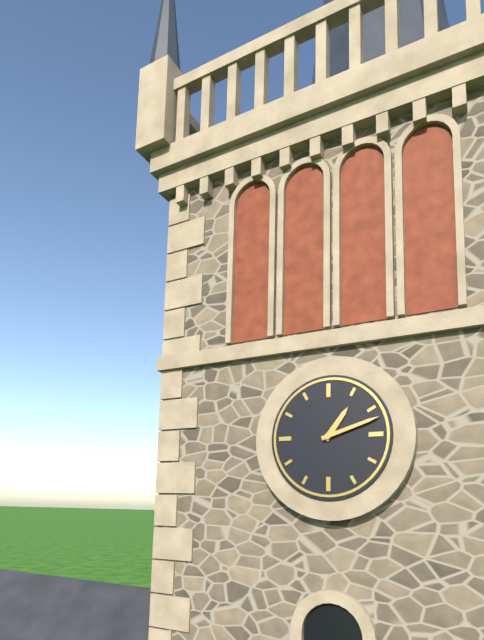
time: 1:12
